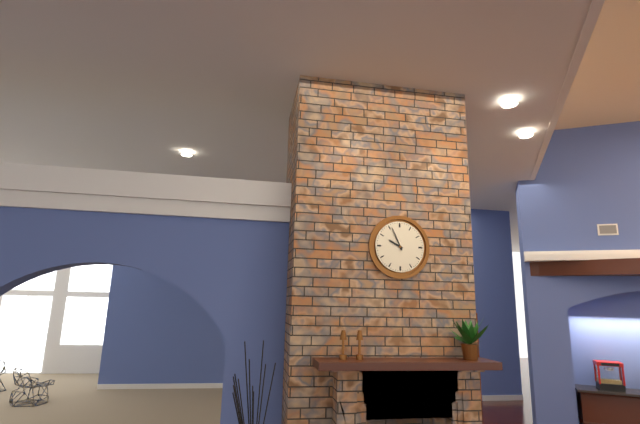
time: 9:56
